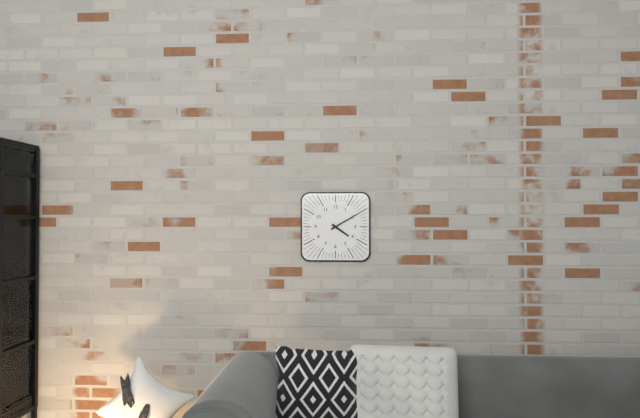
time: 4:10
